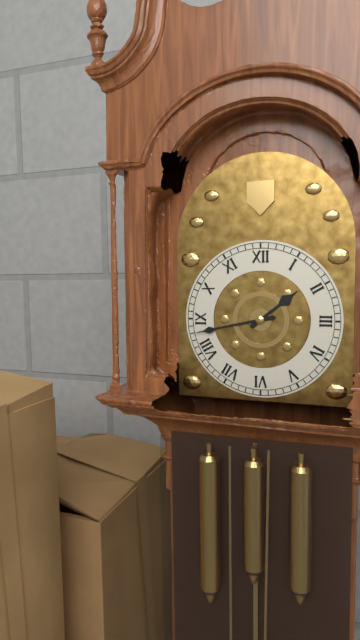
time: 1:43
